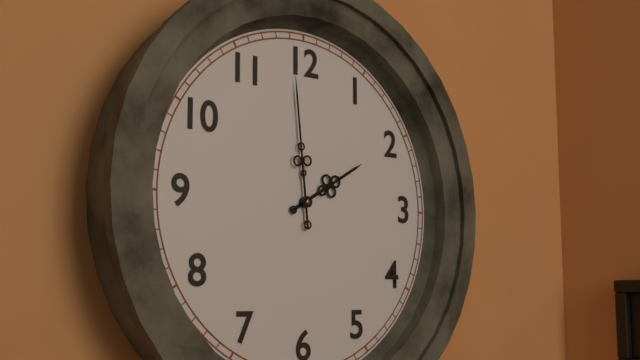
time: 1:59
